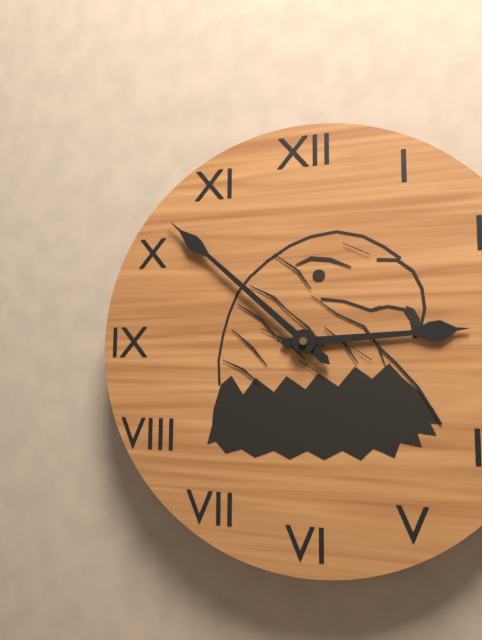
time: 2:52
